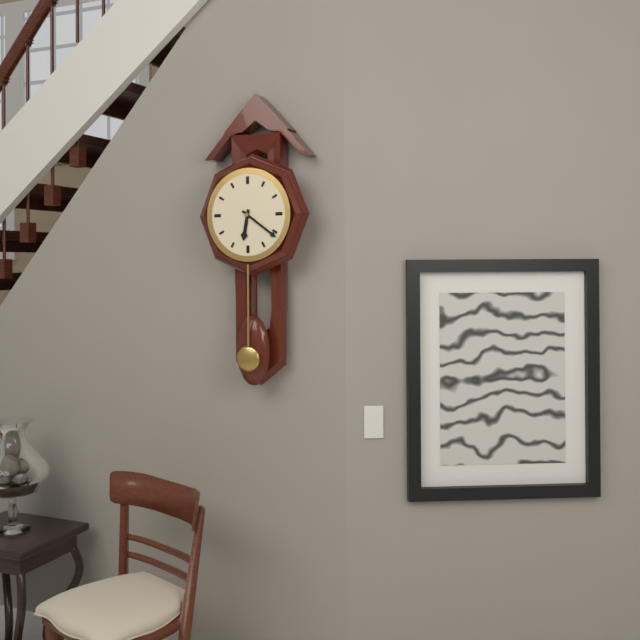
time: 6:21
